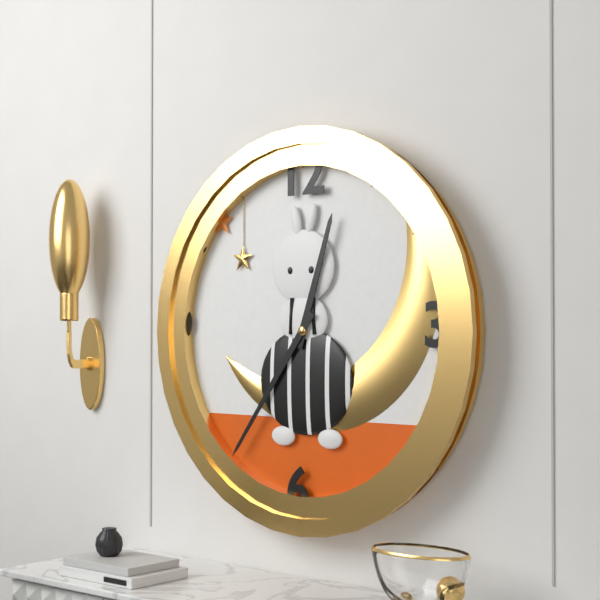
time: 12:36
